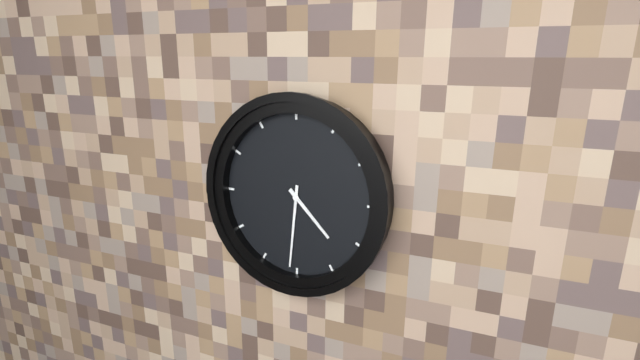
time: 4:31
